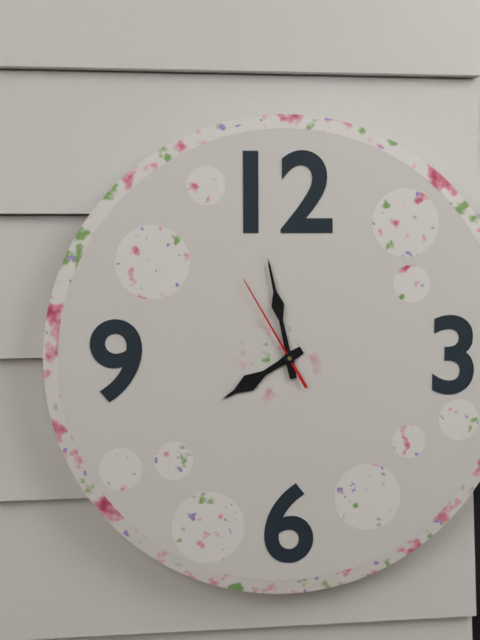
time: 7:58:55
